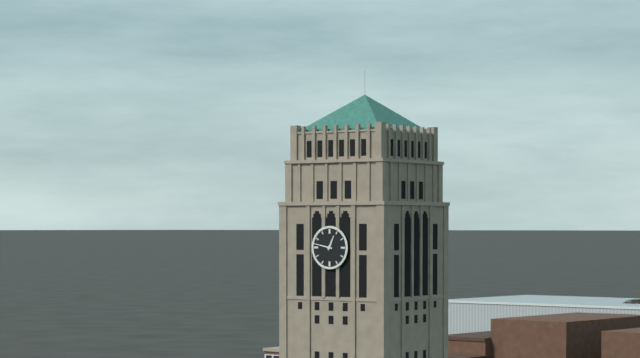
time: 12:47
